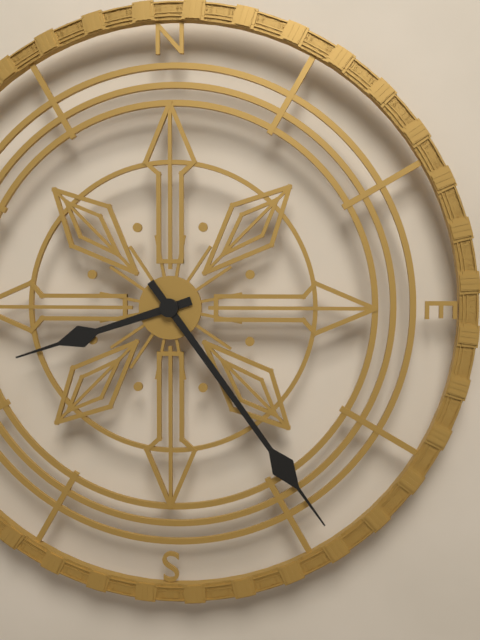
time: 8:24
